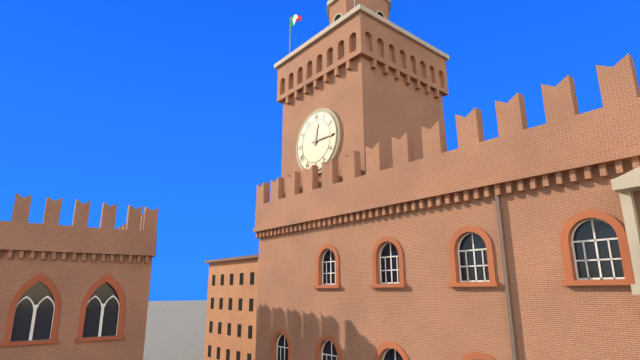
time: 12:15
